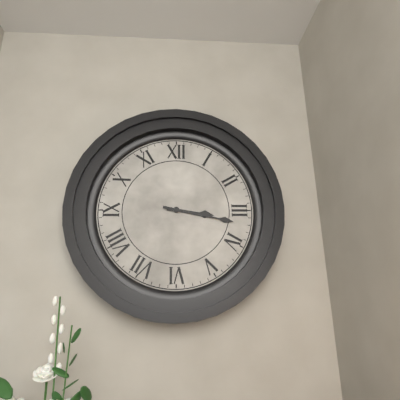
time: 3:17
